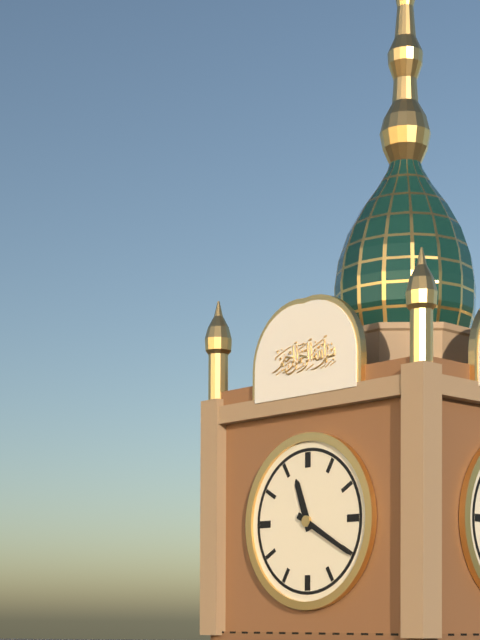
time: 11:20
